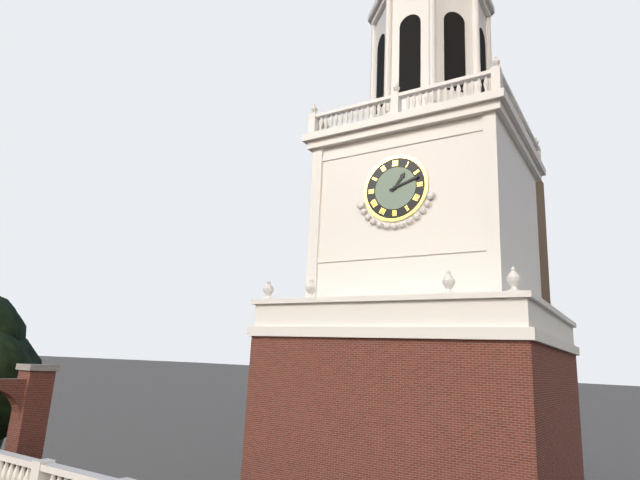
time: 1:12
